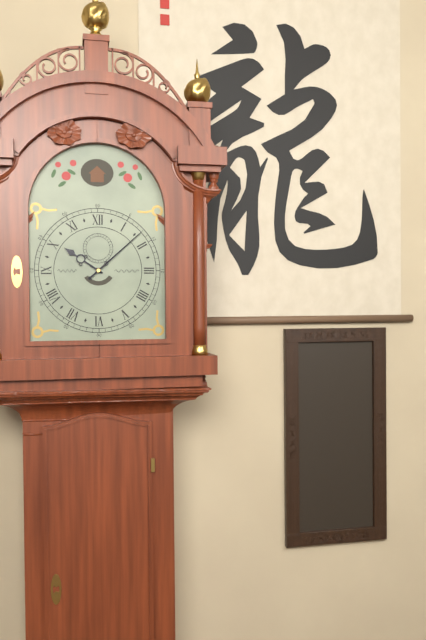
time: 10:08
